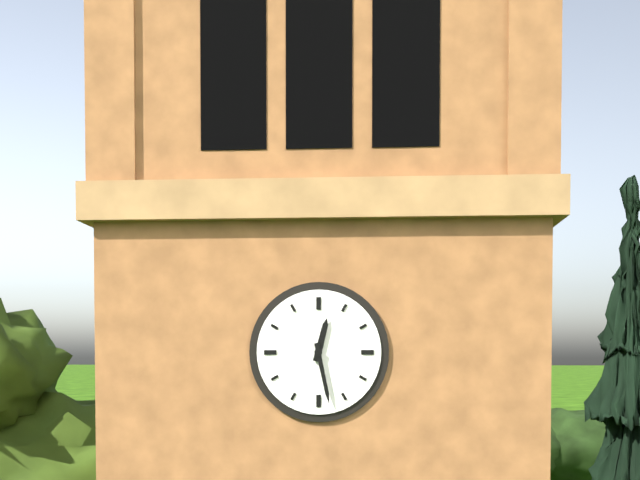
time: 12:28
